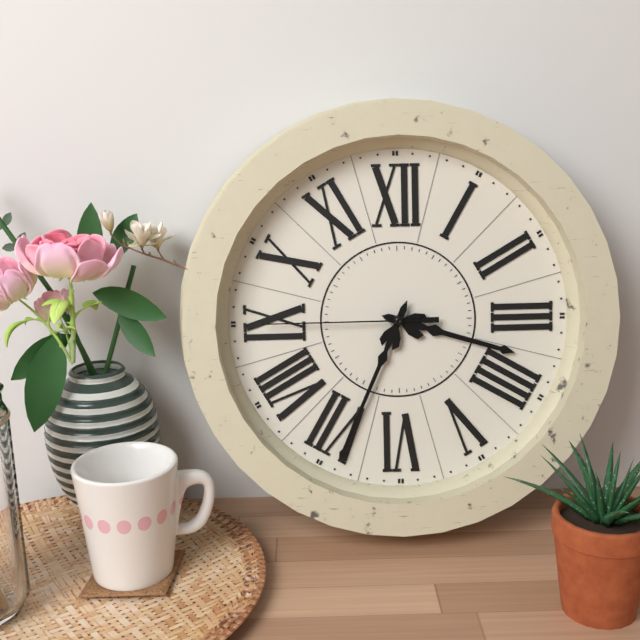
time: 3:34:45
